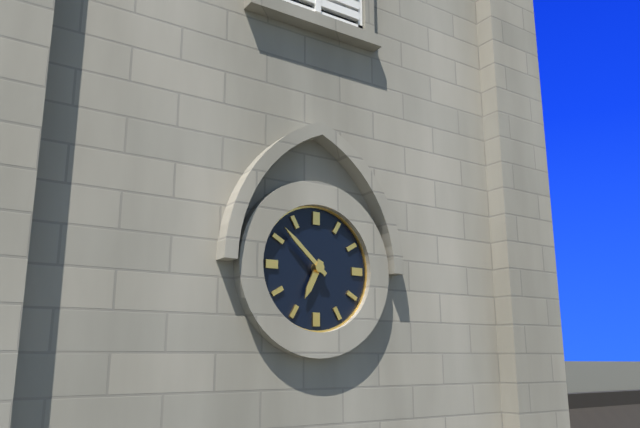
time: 6:52
